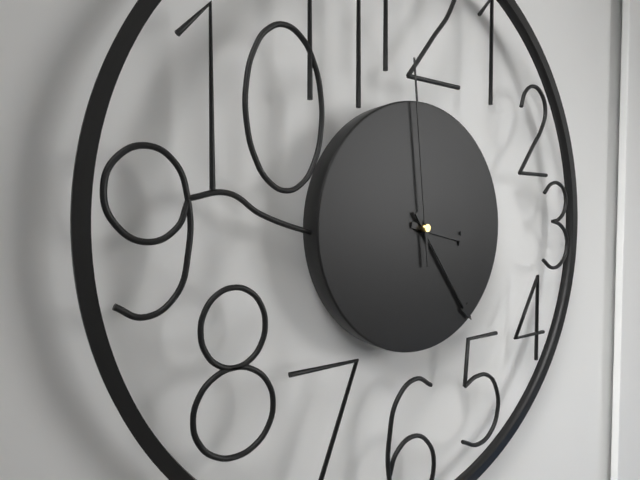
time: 3:24:59
